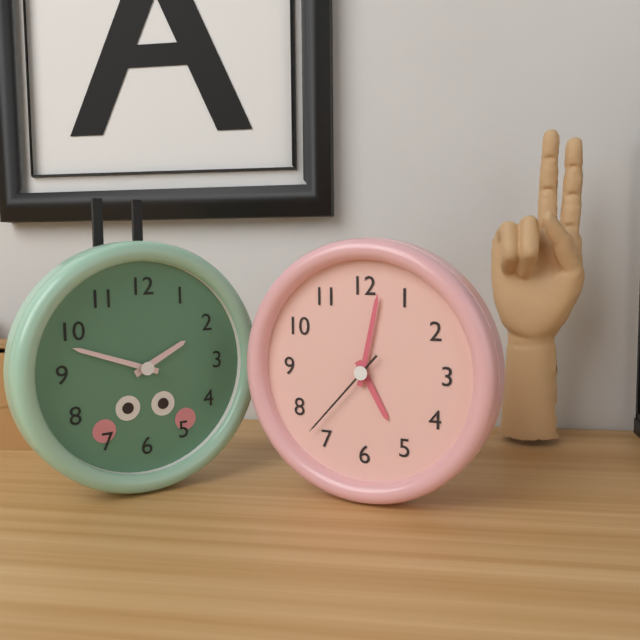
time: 5:02:37
